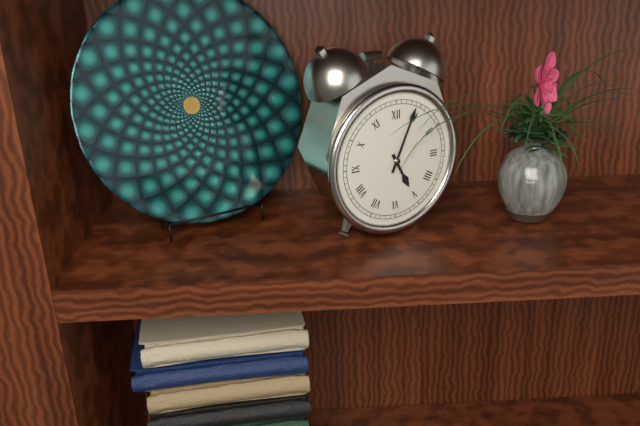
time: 5:04
